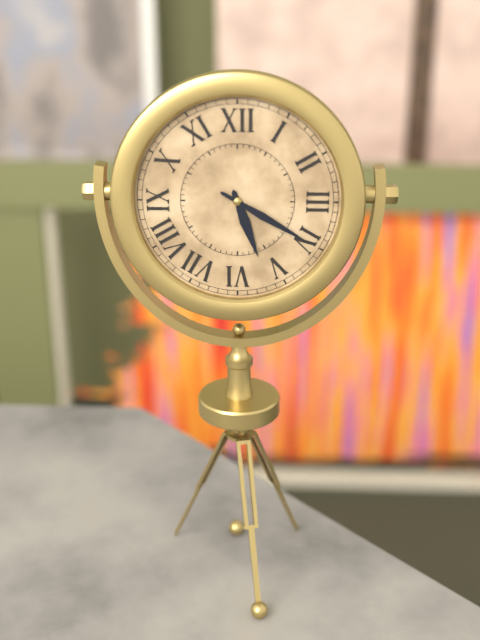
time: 5:20
